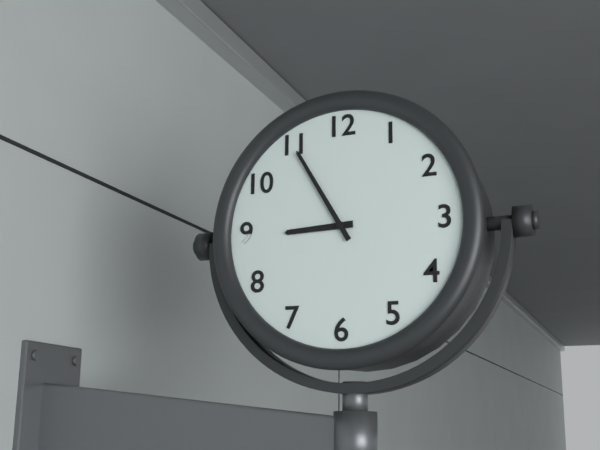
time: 8:55
